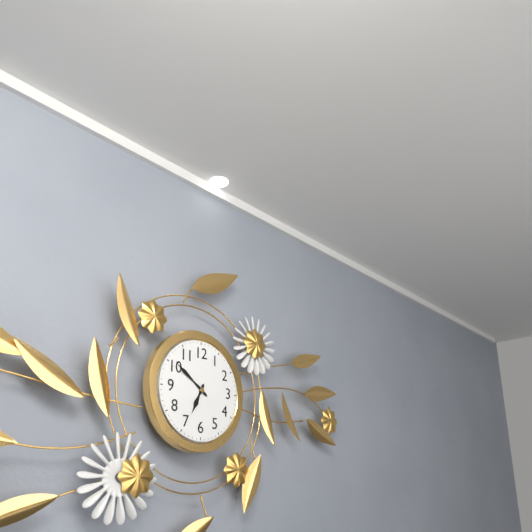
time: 6:51
